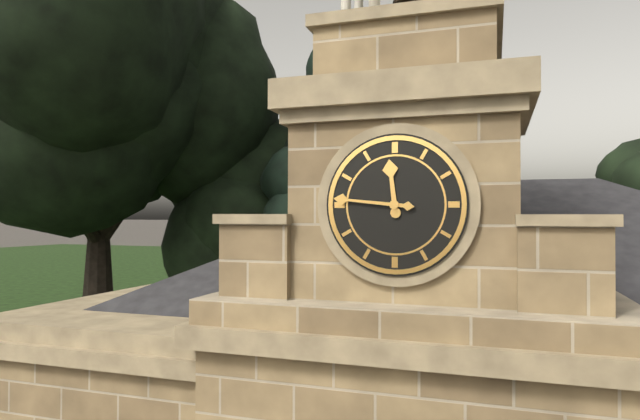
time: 11:46
